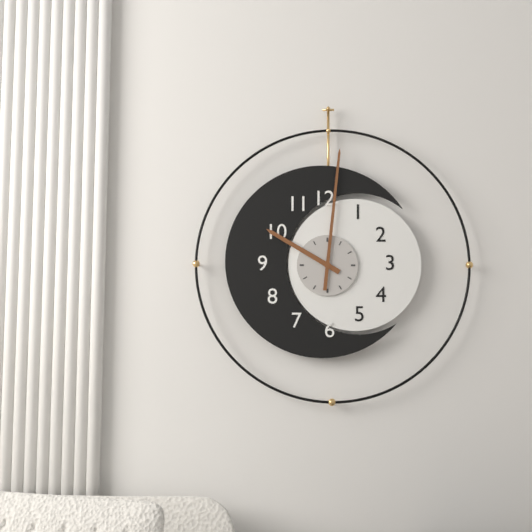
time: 10:01
